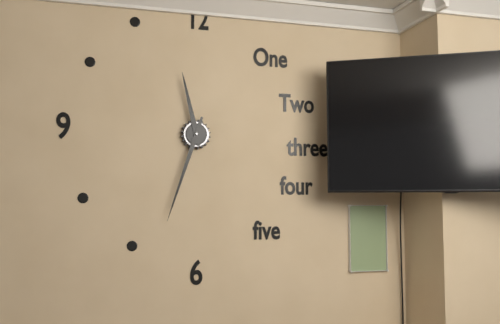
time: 11:33
